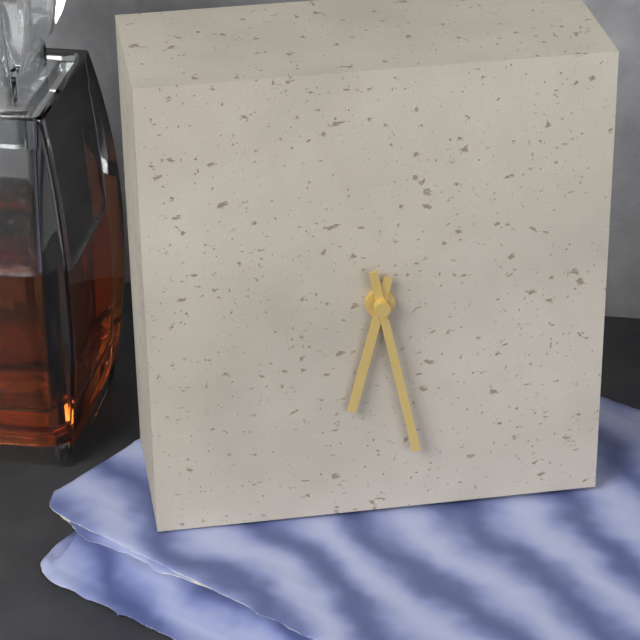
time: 6:28
